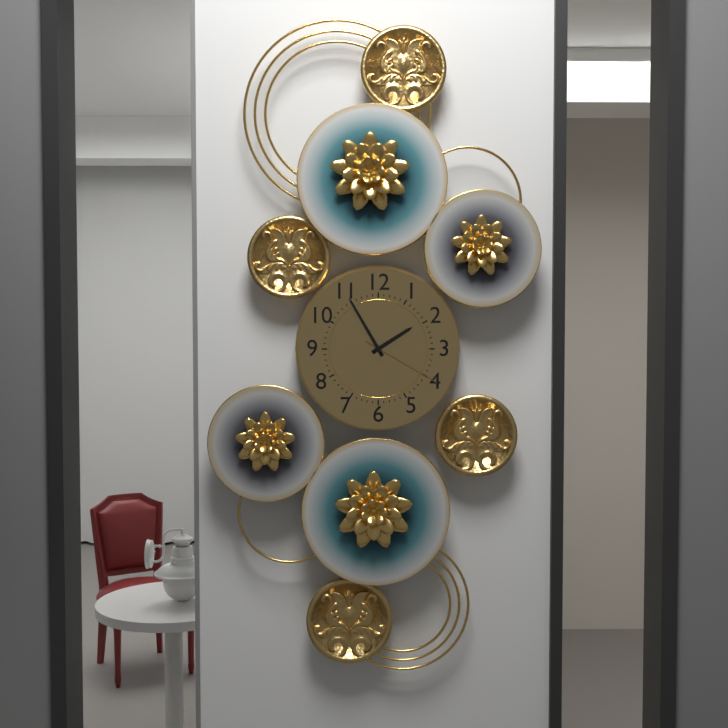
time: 1:55:20
